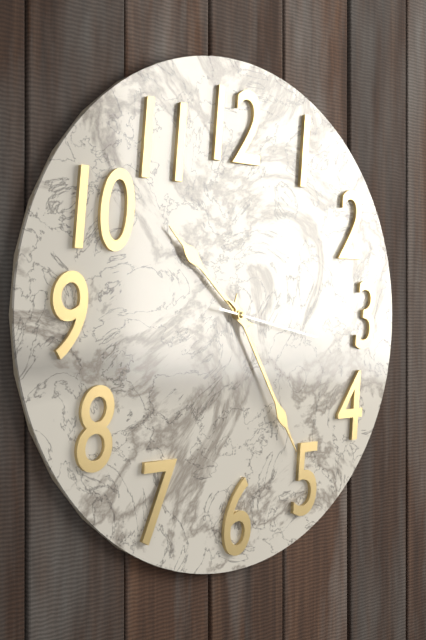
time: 10:25:17
